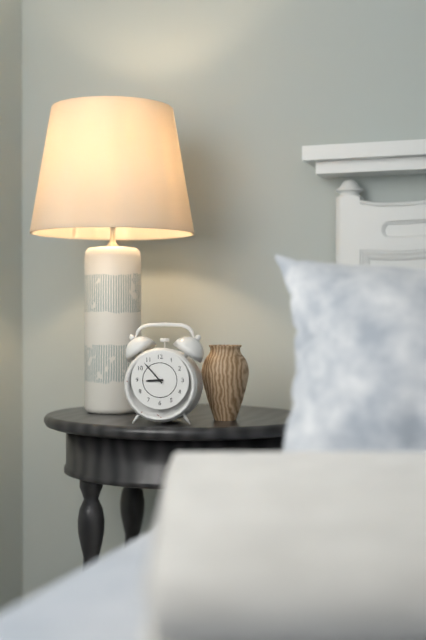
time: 8:53
